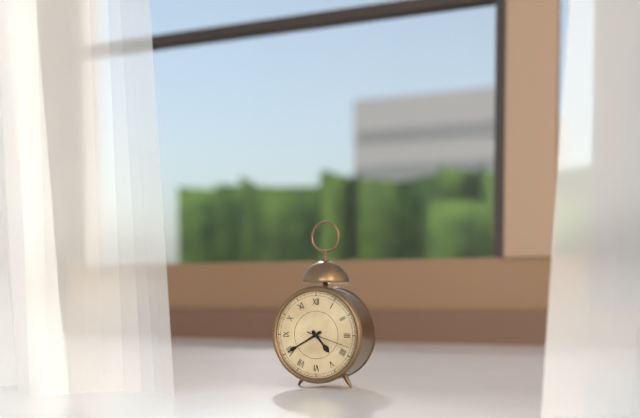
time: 4:40
